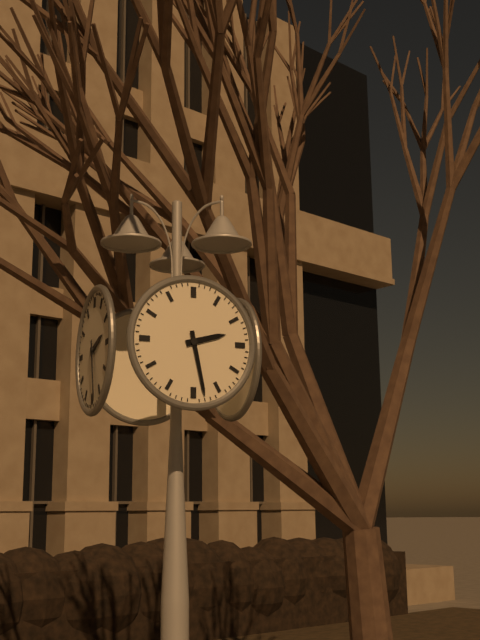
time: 2:28
